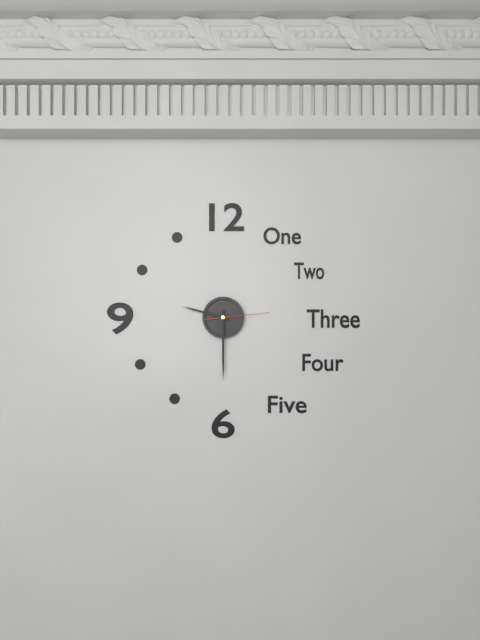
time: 9:30:14
